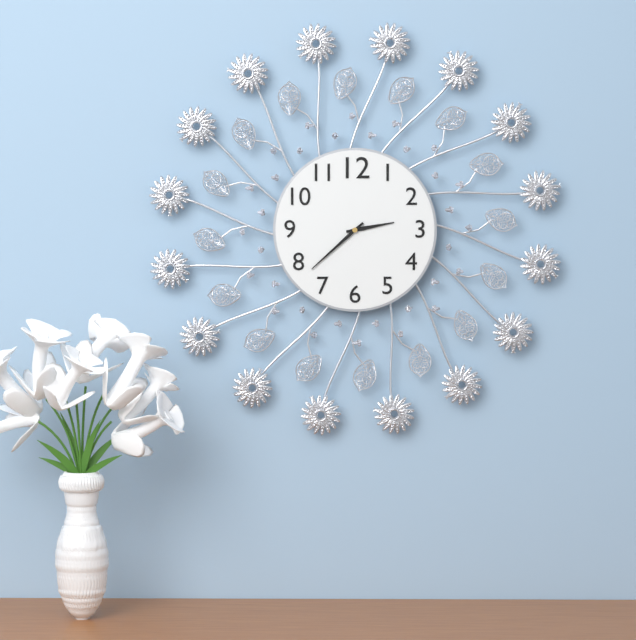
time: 2:38
